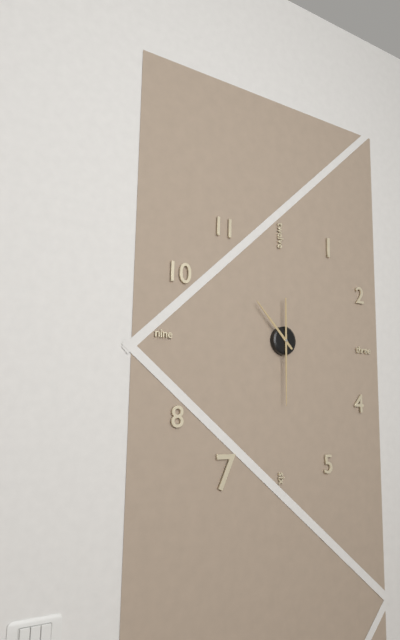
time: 10:30
